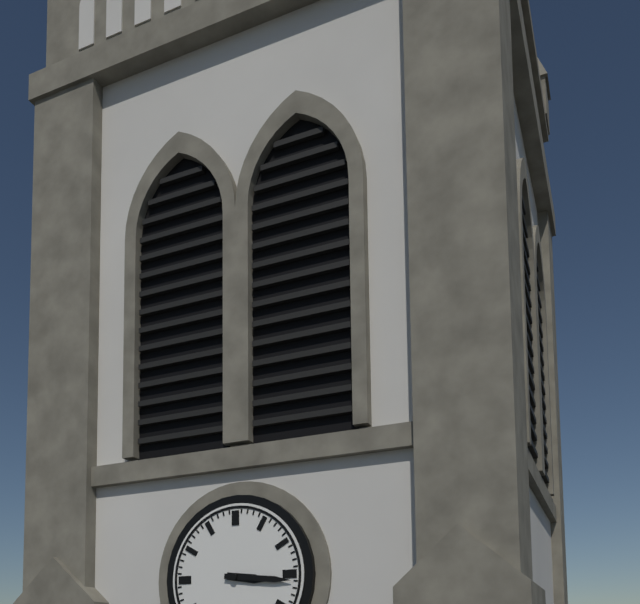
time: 3:16
